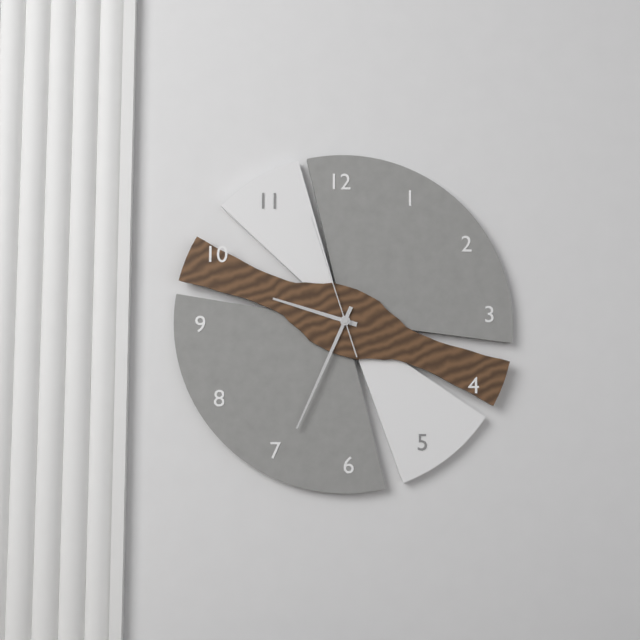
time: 9:34:57
